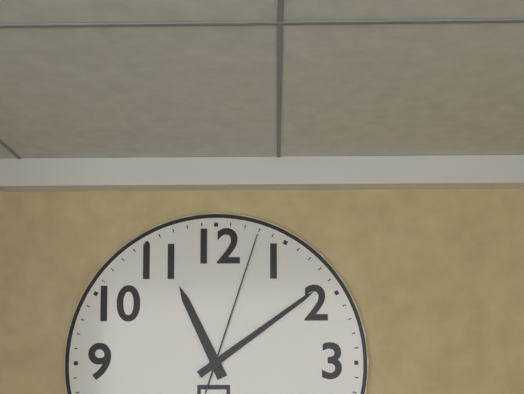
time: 11:09:03
